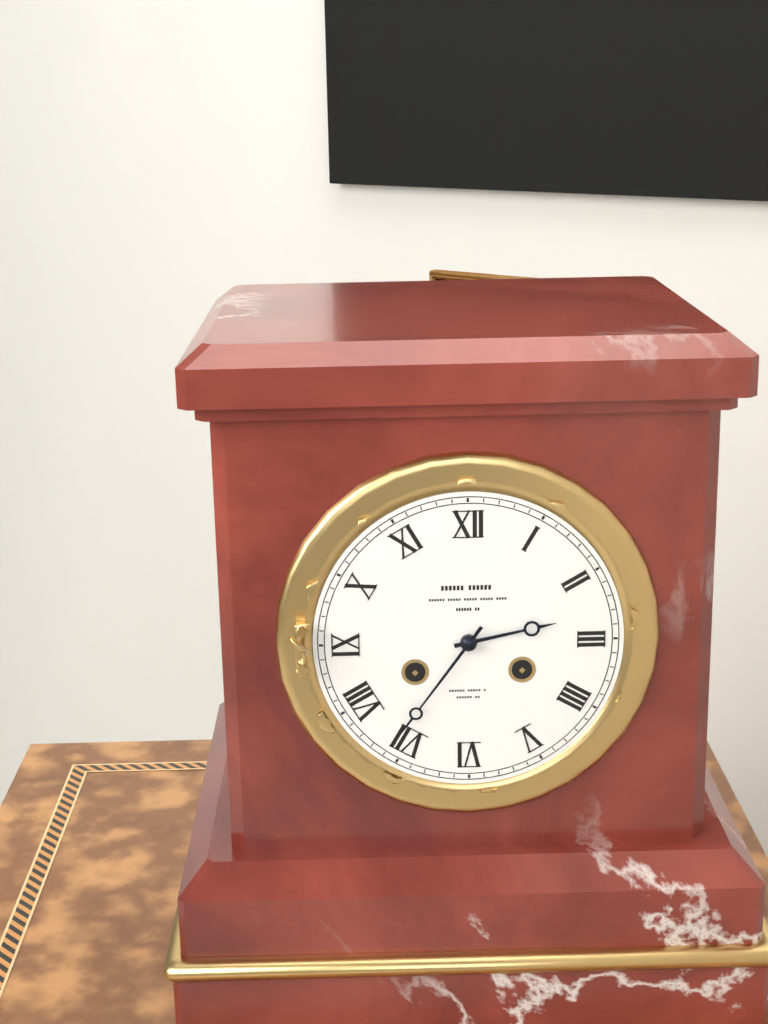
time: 2:36
